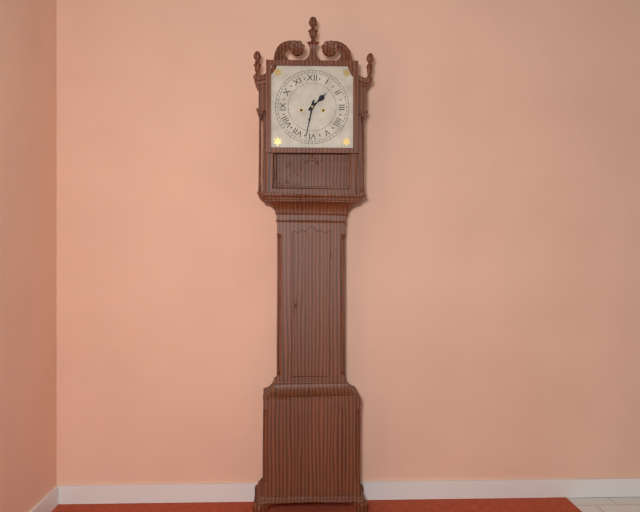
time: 1:32
